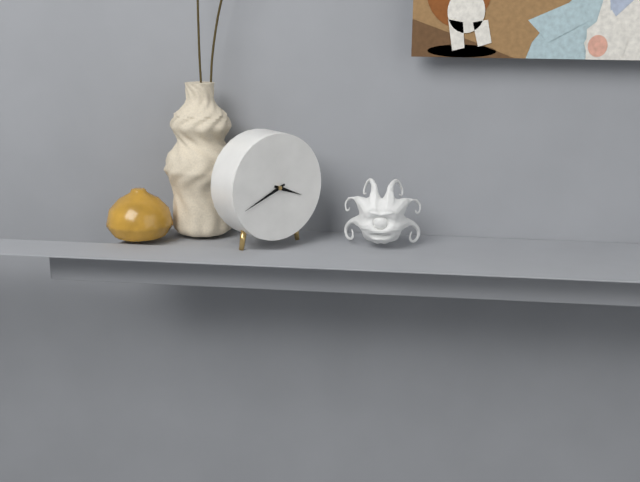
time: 3:41
